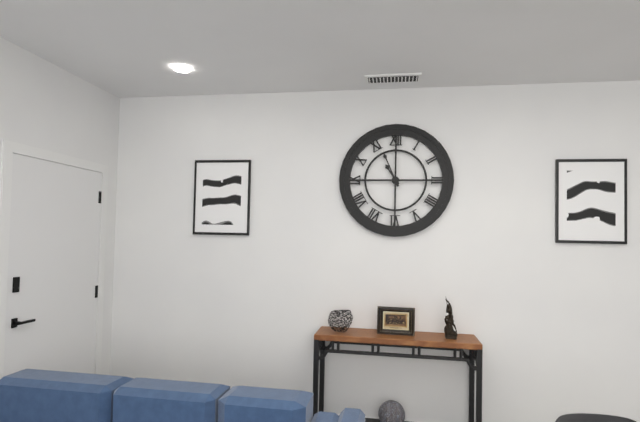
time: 10:56
